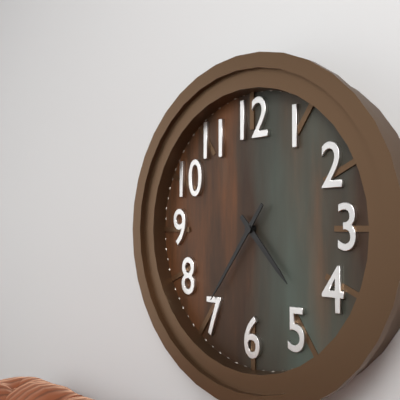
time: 4:36
